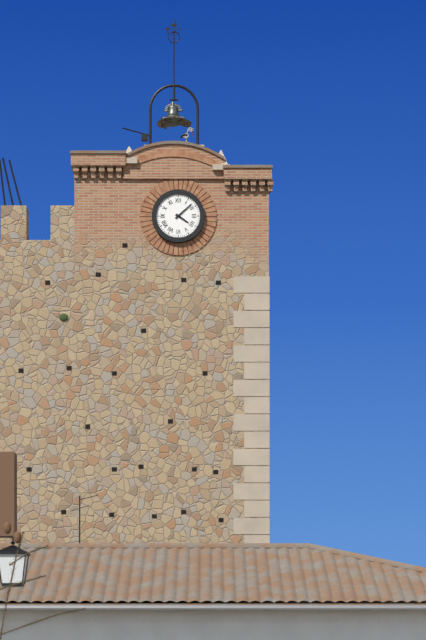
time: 4:08
